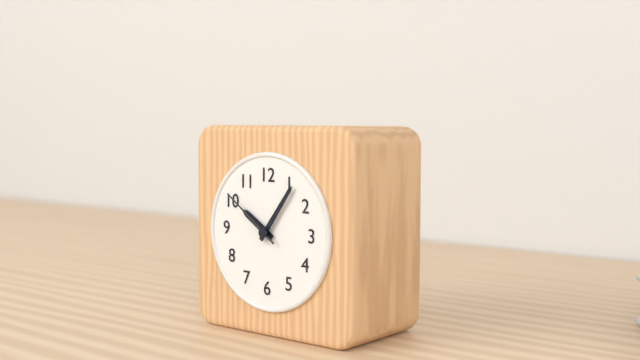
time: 10:06:51
